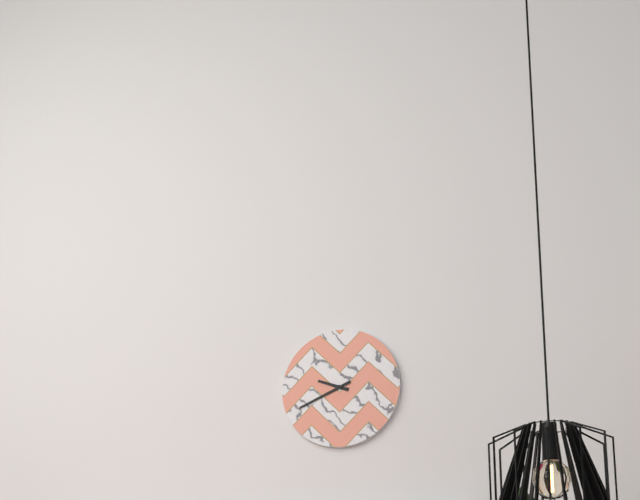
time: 9:41
